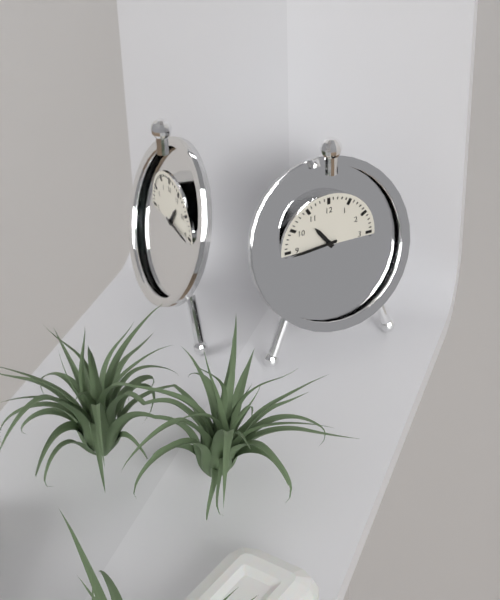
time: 10:44
